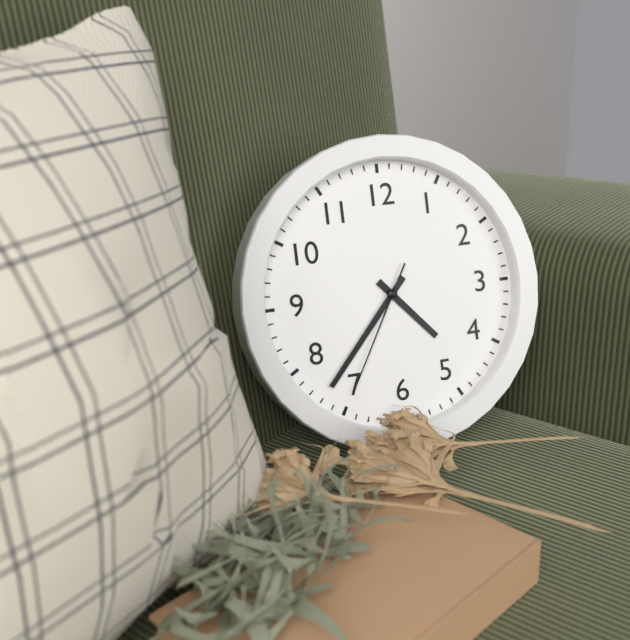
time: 4:37:35
